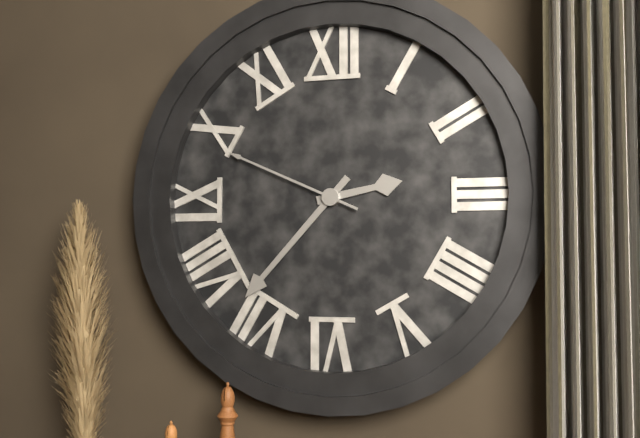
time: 2:37:49
